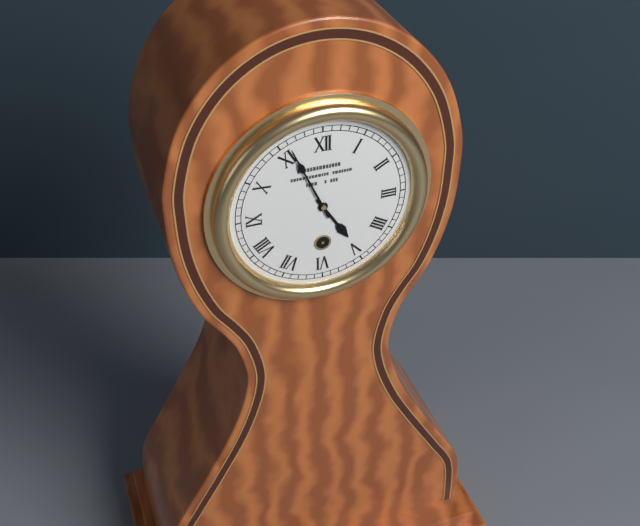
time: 4:56
